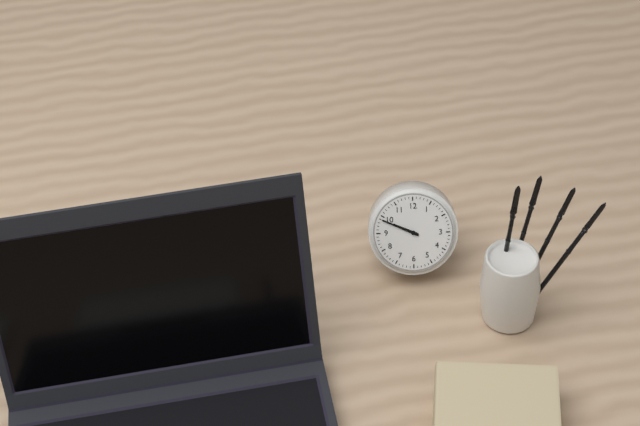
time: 9:49
